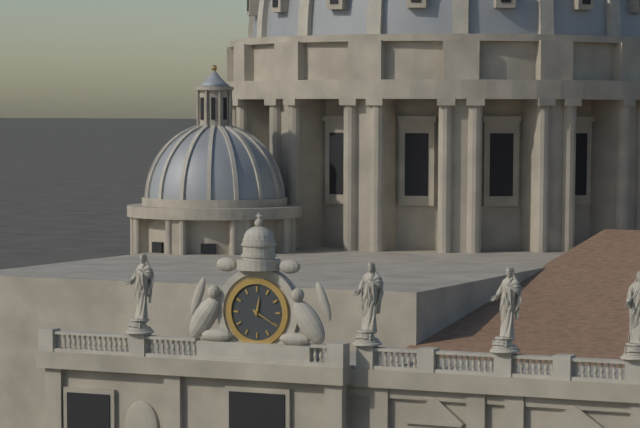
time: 12:20
